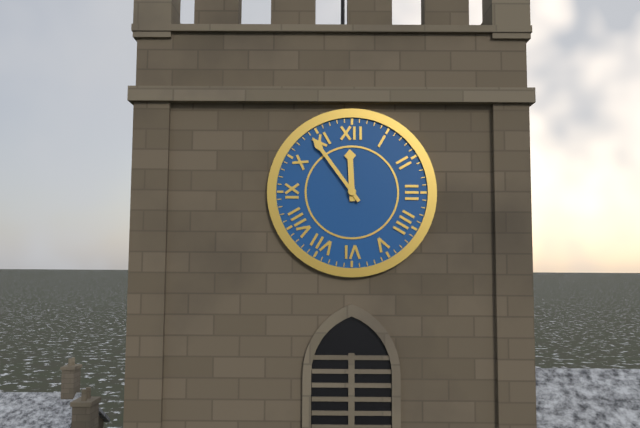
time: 11:54
